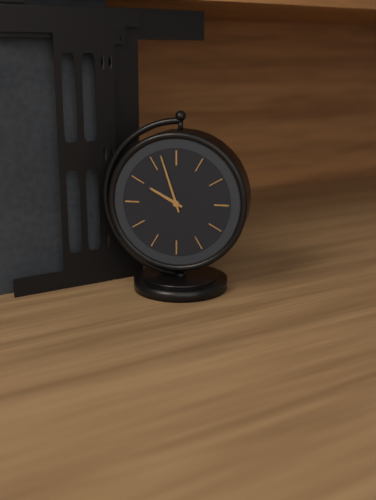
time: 9:57
